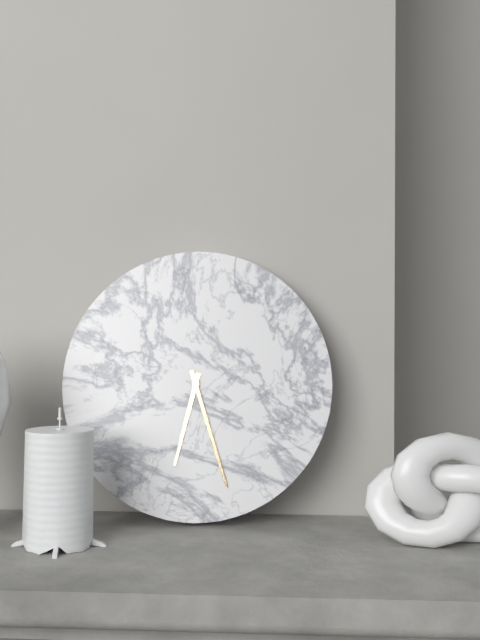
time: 6:27
